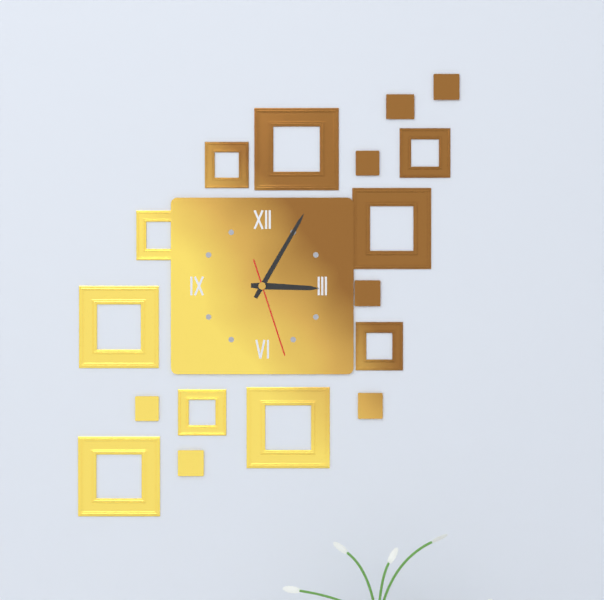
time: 3:05:27
